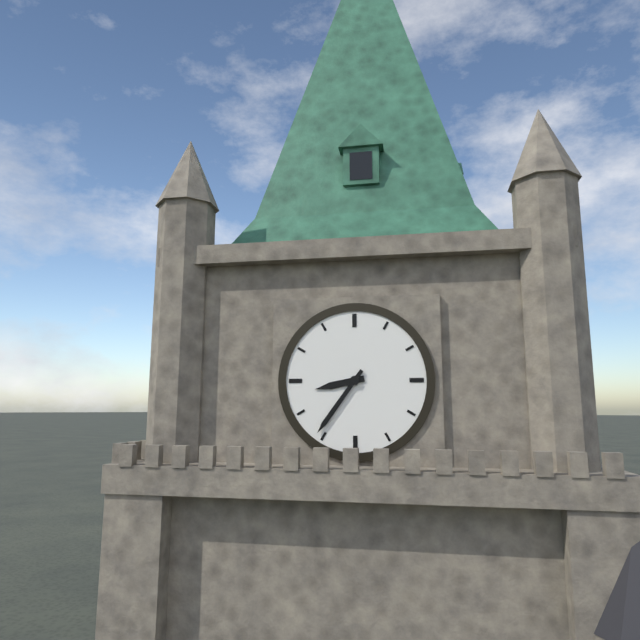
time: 8:36
